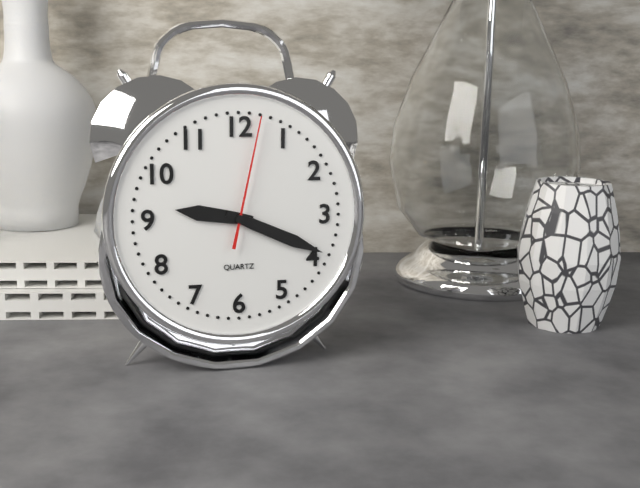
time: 9:19:02
